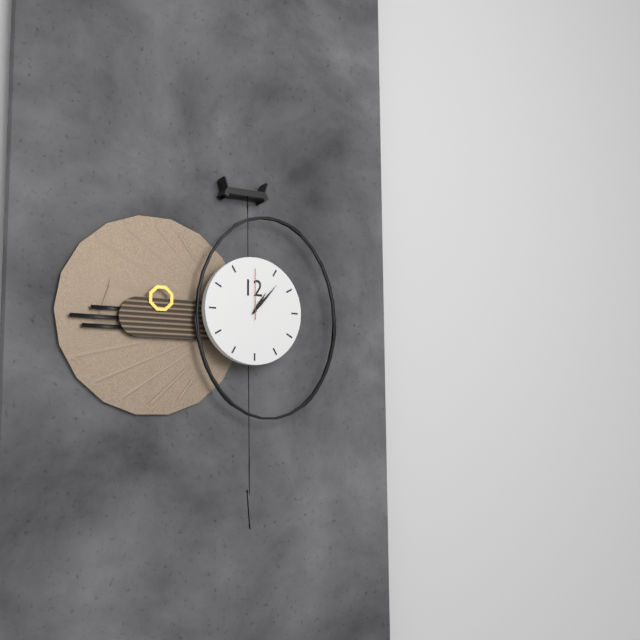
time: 1:07:00
